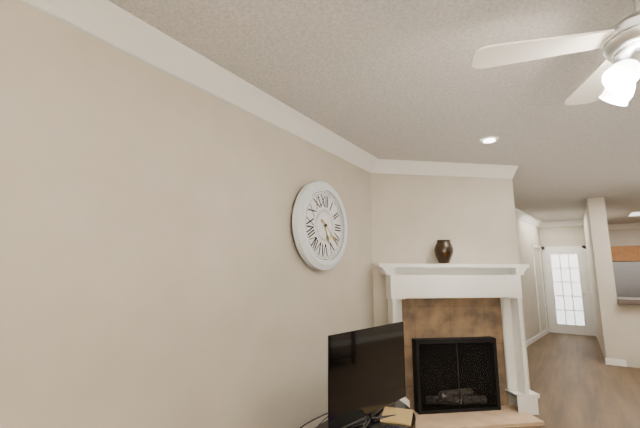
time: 5:21
